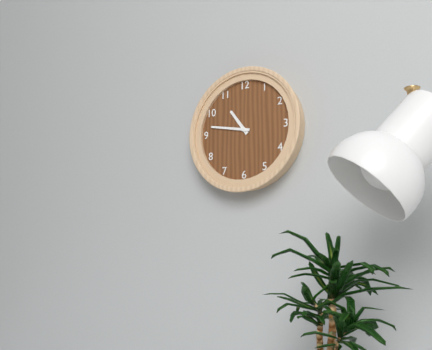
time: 10:47
